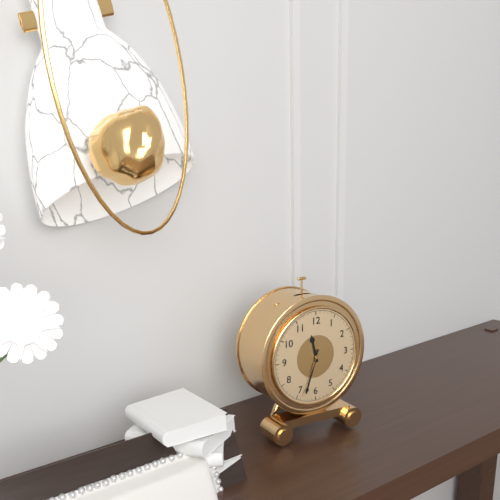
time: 11:33:34
